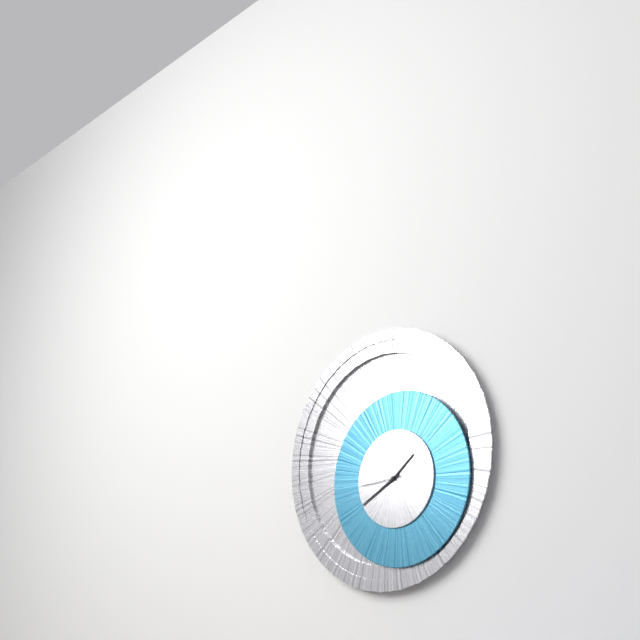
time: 1:40
